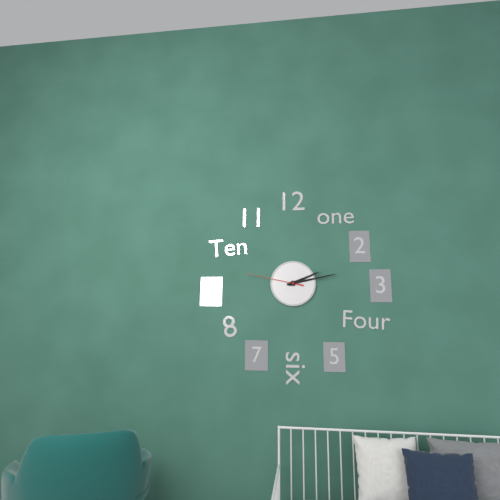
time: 2:13:47
